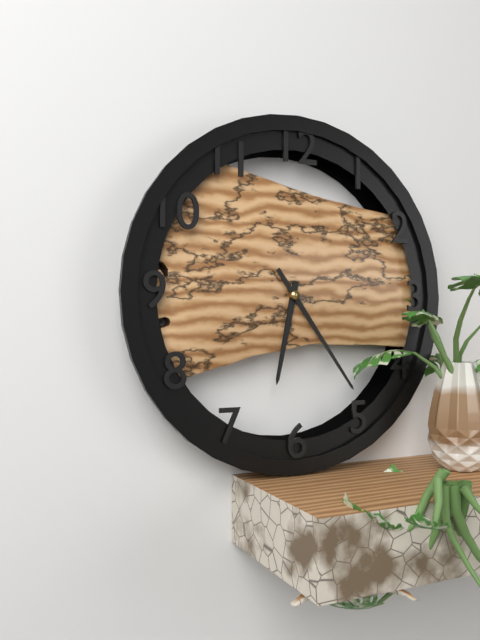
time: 6:24
